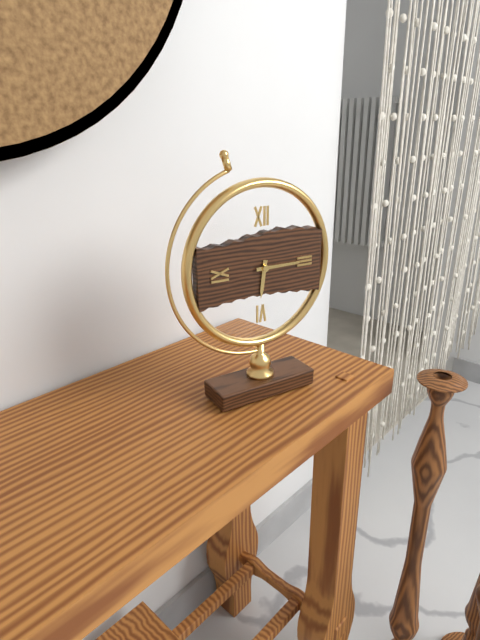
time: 6:15
